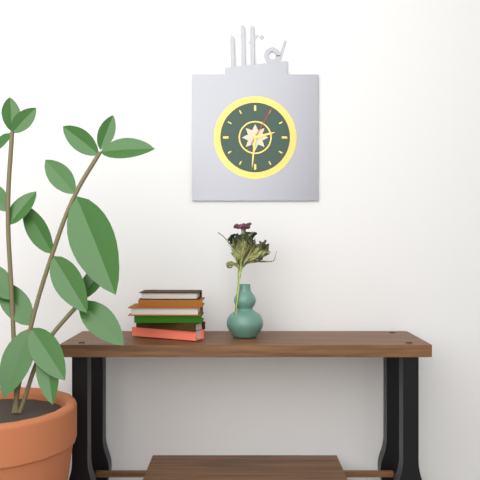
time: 2:31
